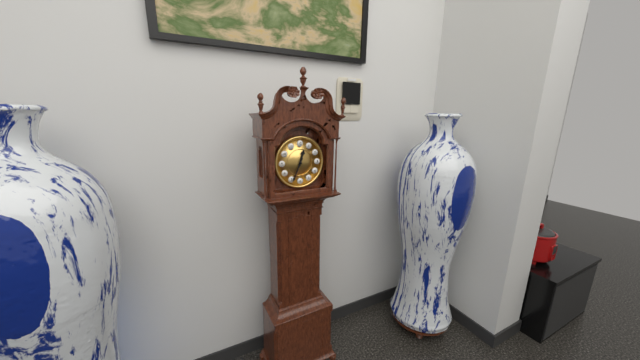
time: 12:34
